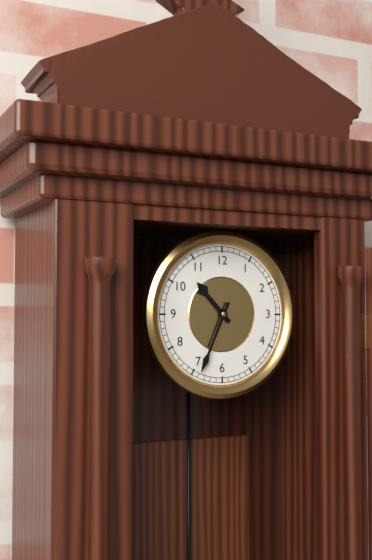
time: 10:34
